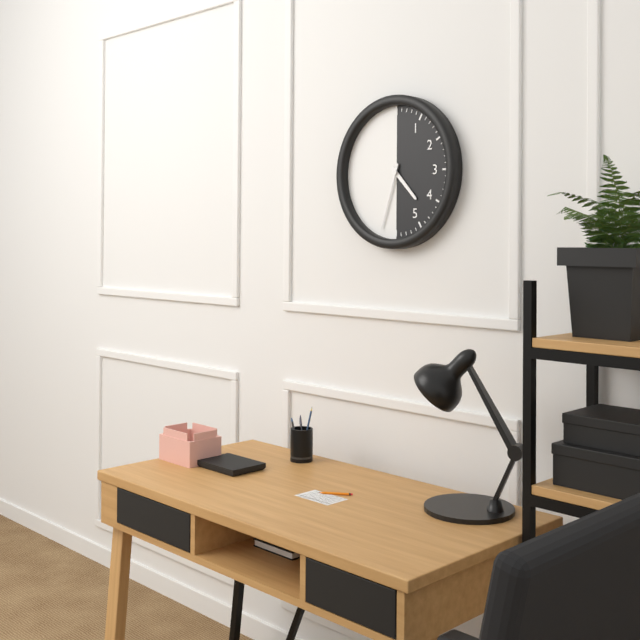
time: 4:33
